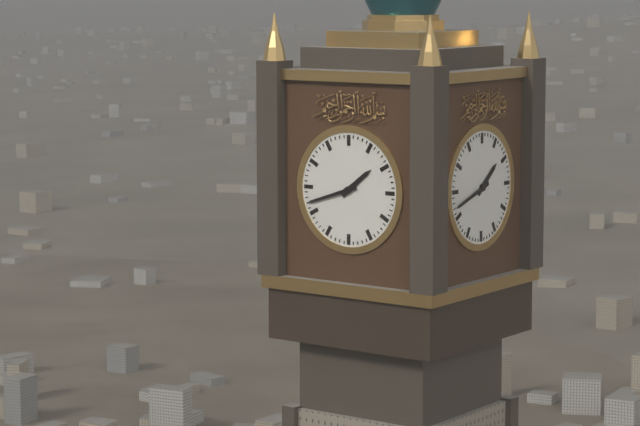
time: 1:42
